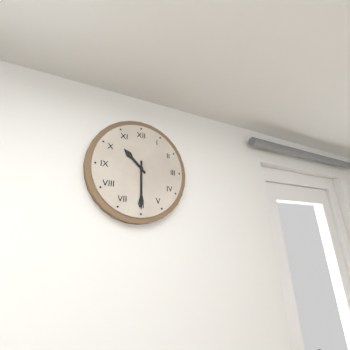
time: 10:30
